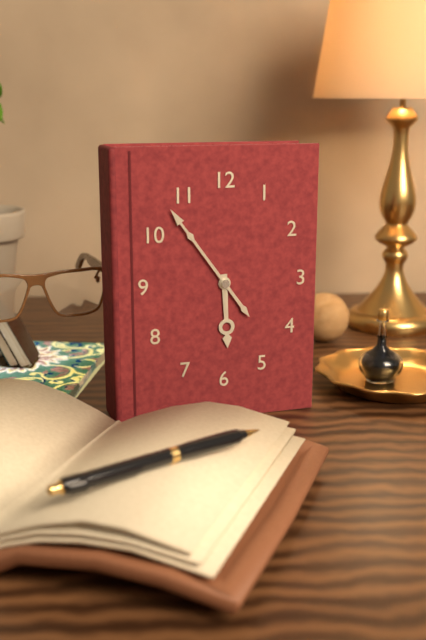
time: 5:54
